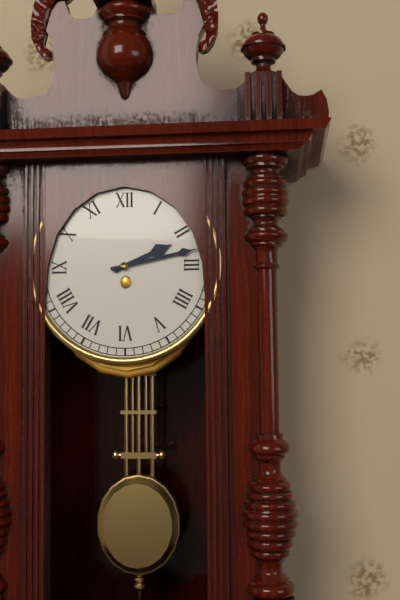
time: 2:13
